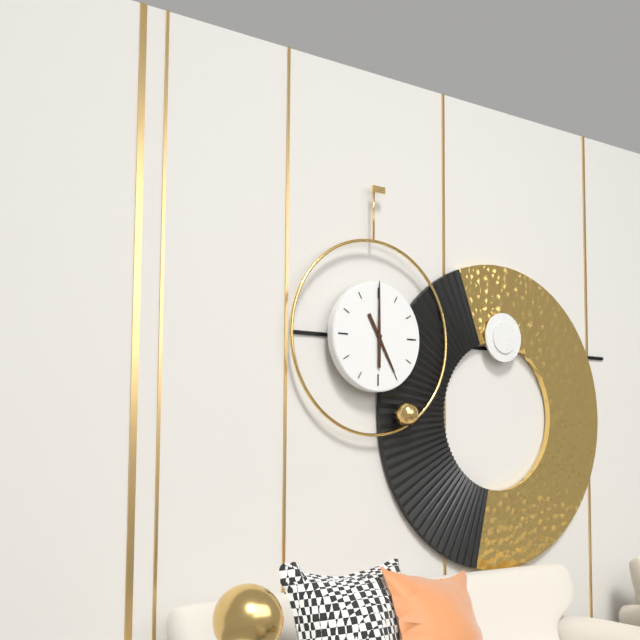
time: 5:00
